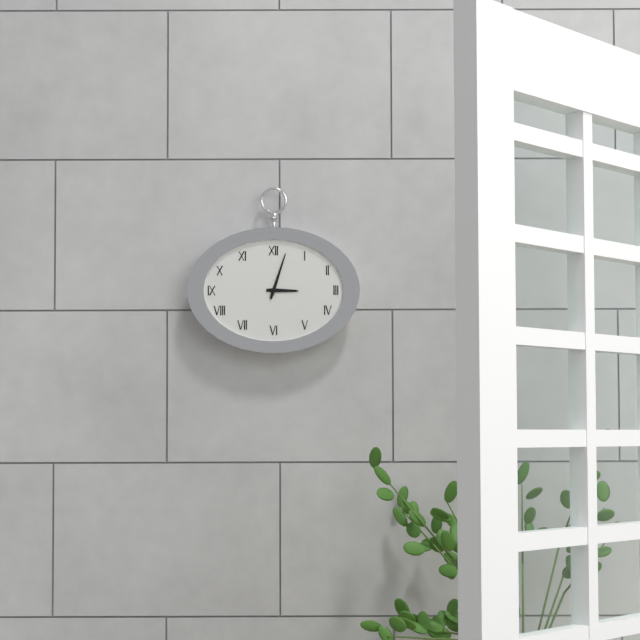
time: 3:03
